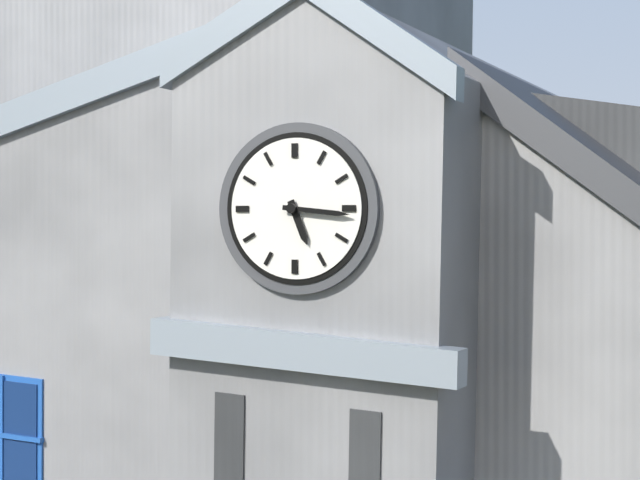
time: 5:16
